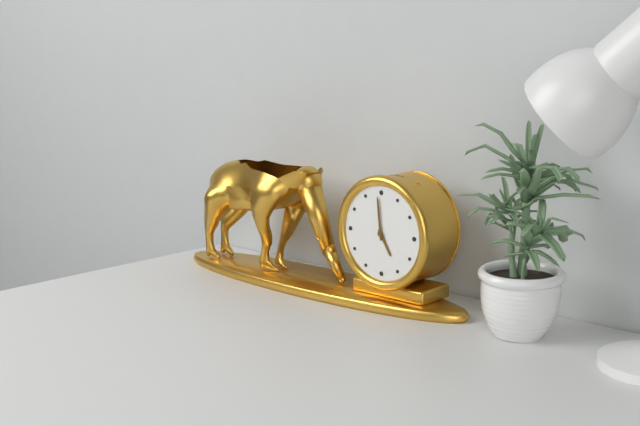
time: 4:59
